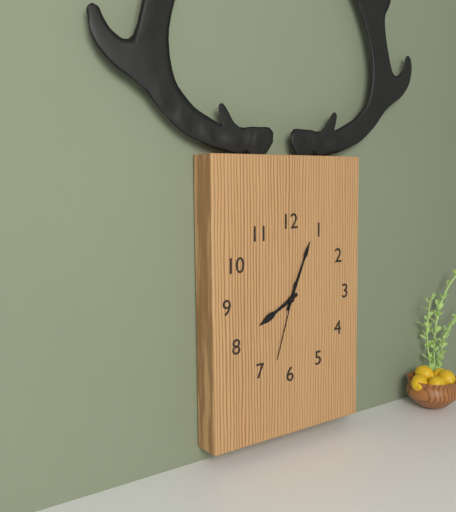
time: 8:04:33
